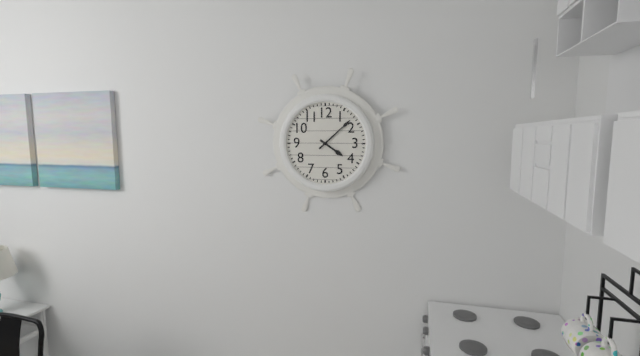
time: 4:08
